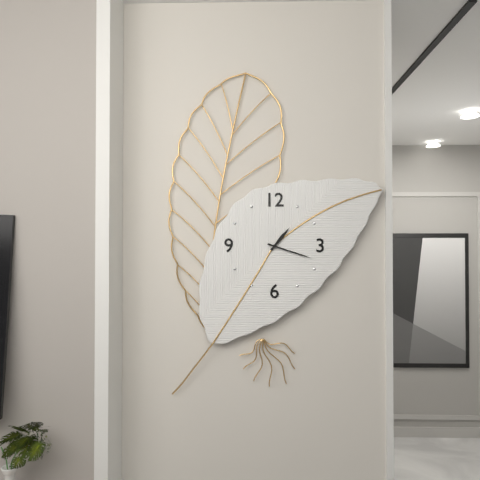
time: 1:18
